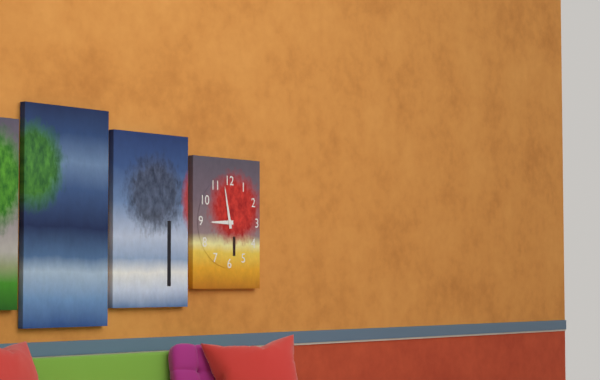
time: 8:58
